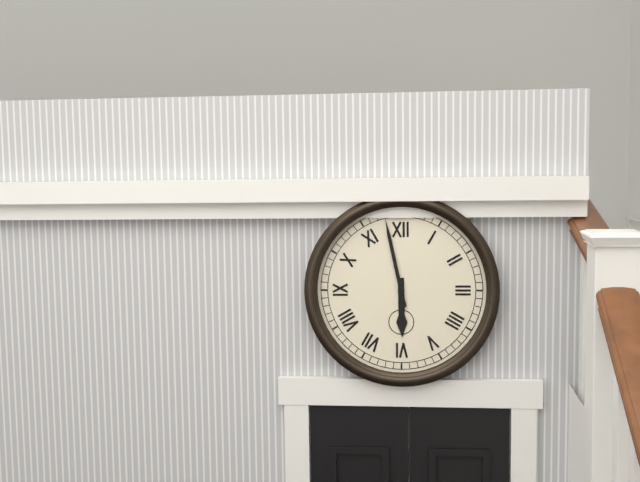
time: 5:58
